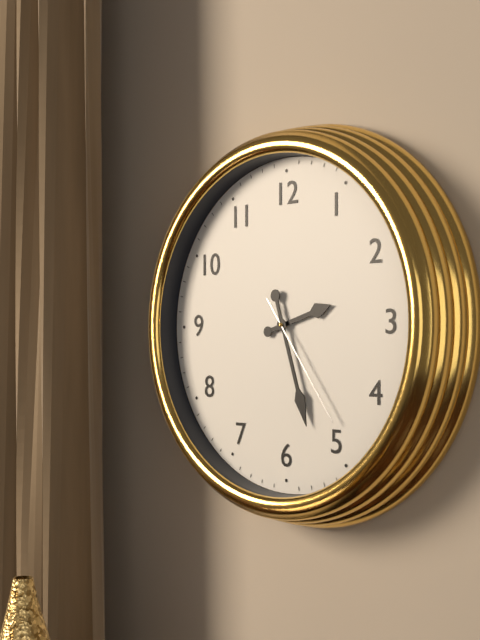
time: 2:27:24
